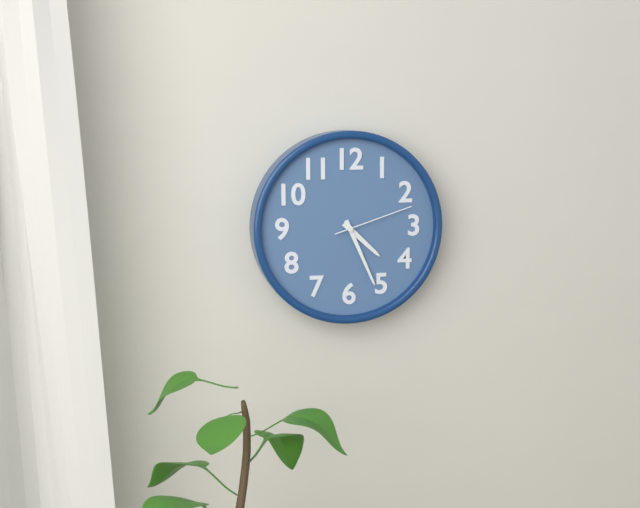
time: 4:26:12
